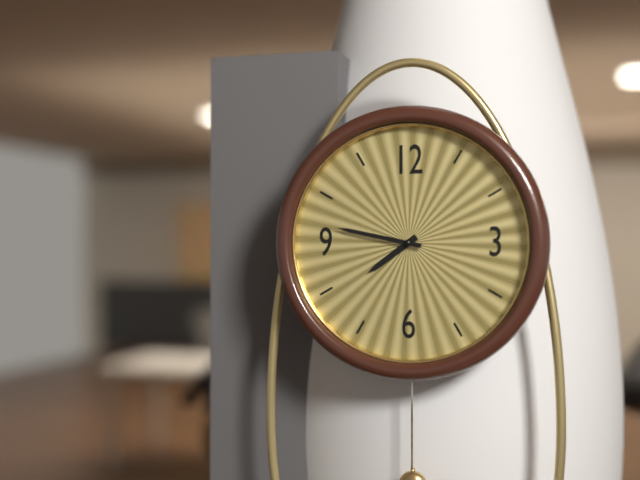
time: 7:47
